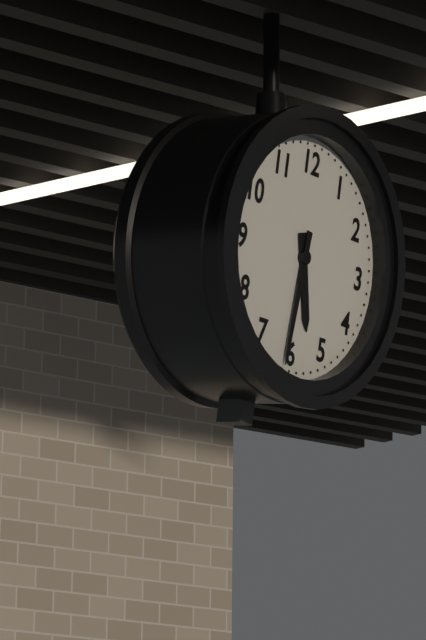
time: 5:31
